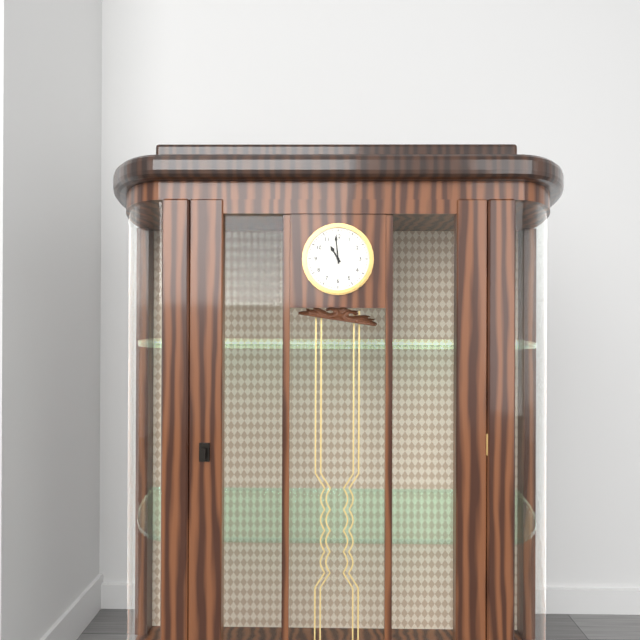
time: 10:59
